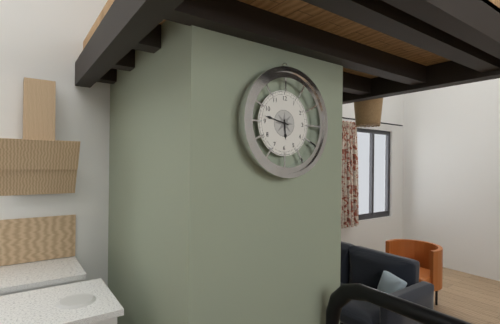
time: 5:47
